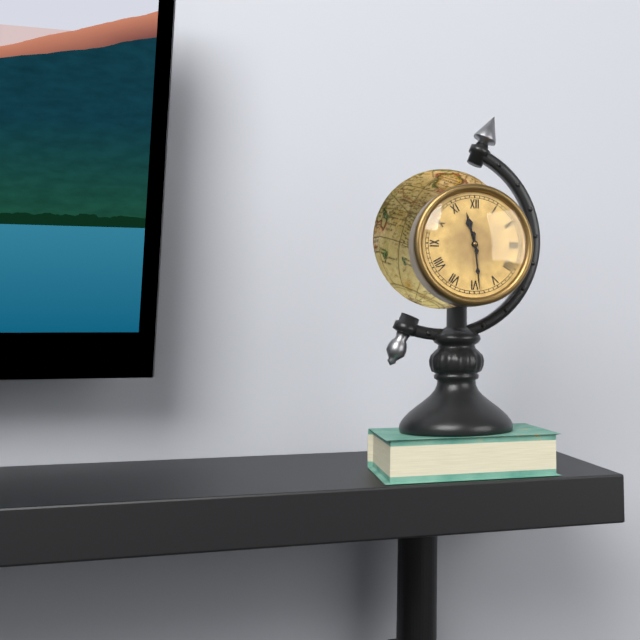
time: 11:29
